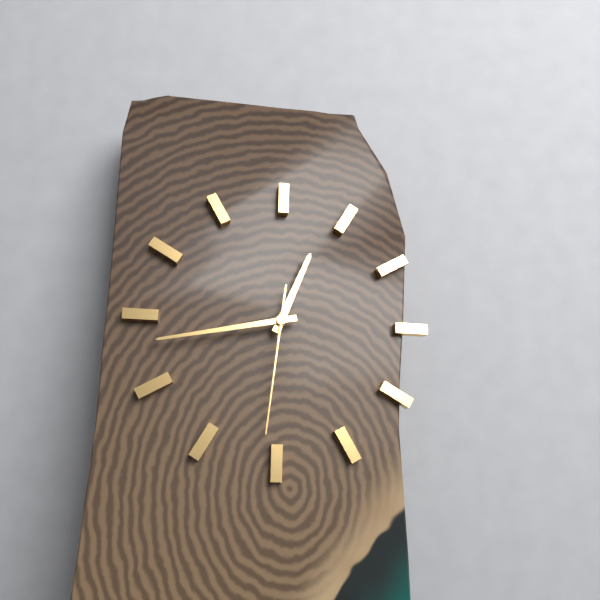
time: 12:43:31
